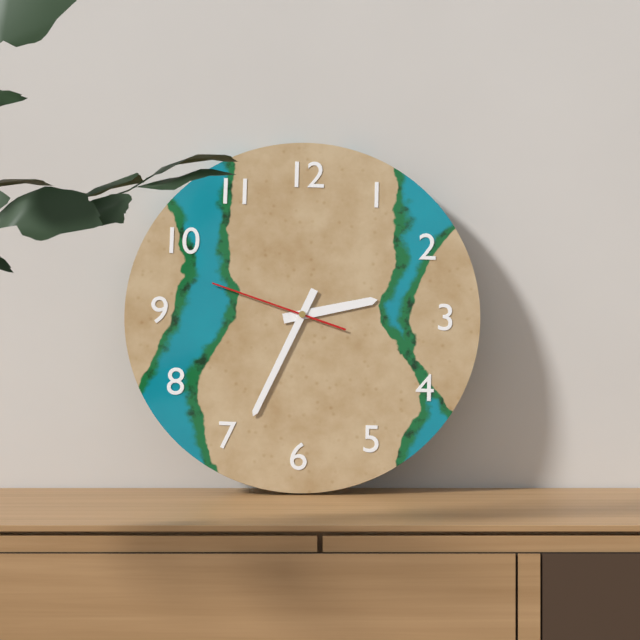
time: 2:34:48
